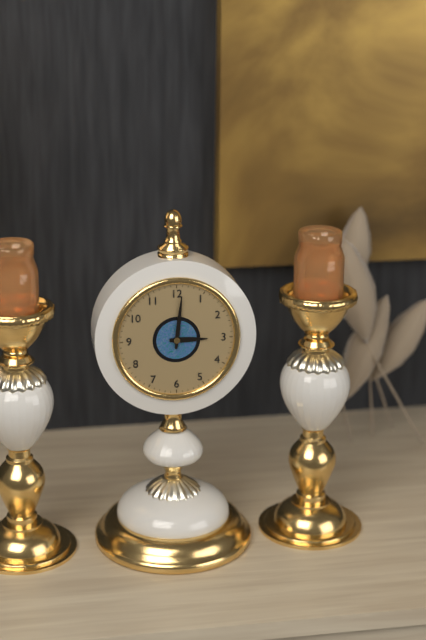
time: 3:01
